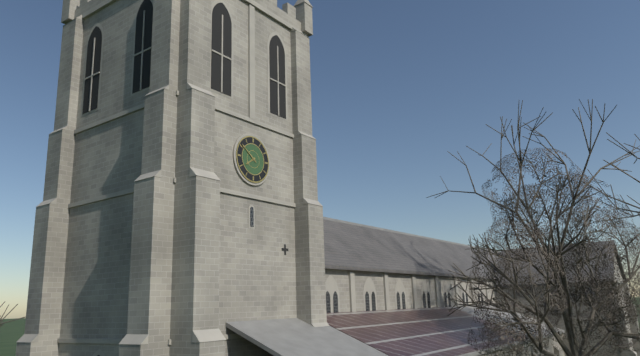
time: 7:51
